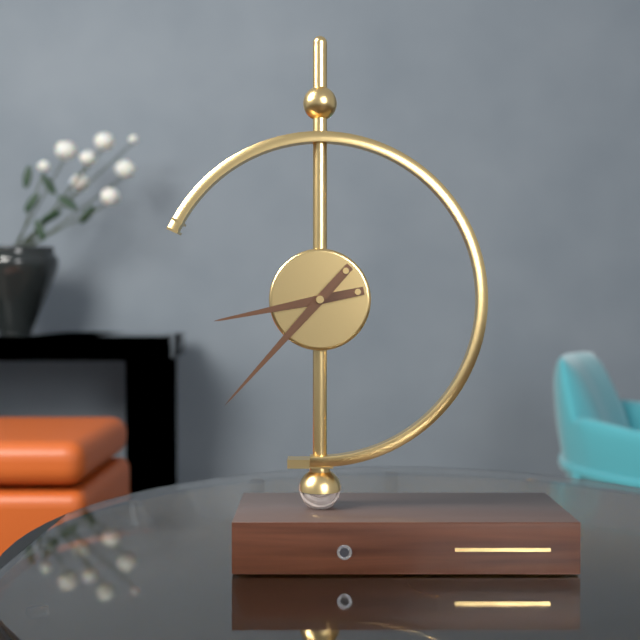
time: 8:37
